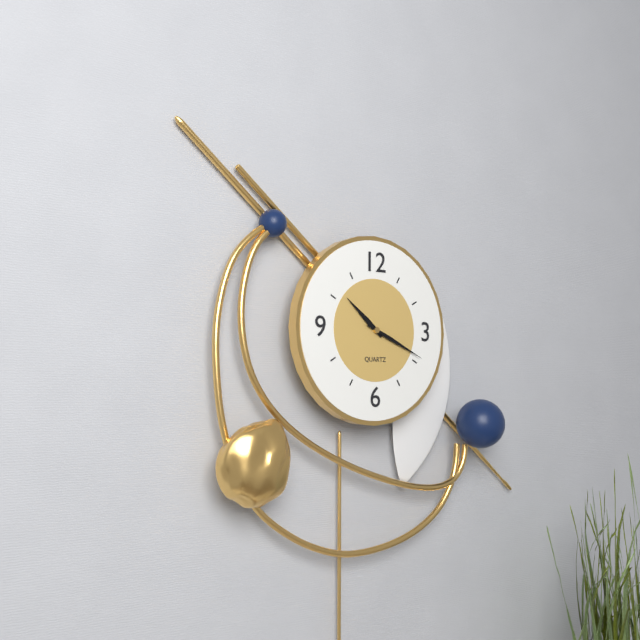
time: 10:19
